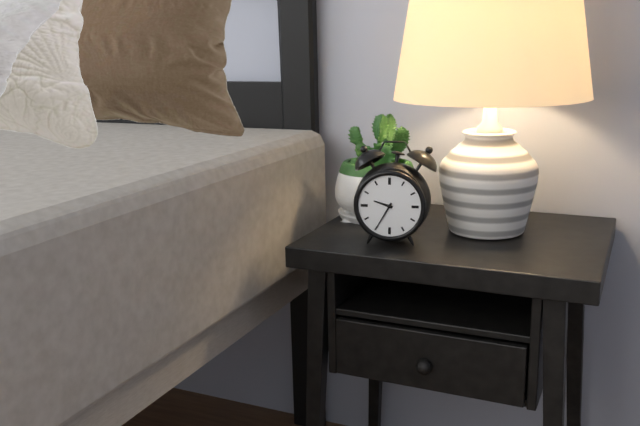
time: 9:35
